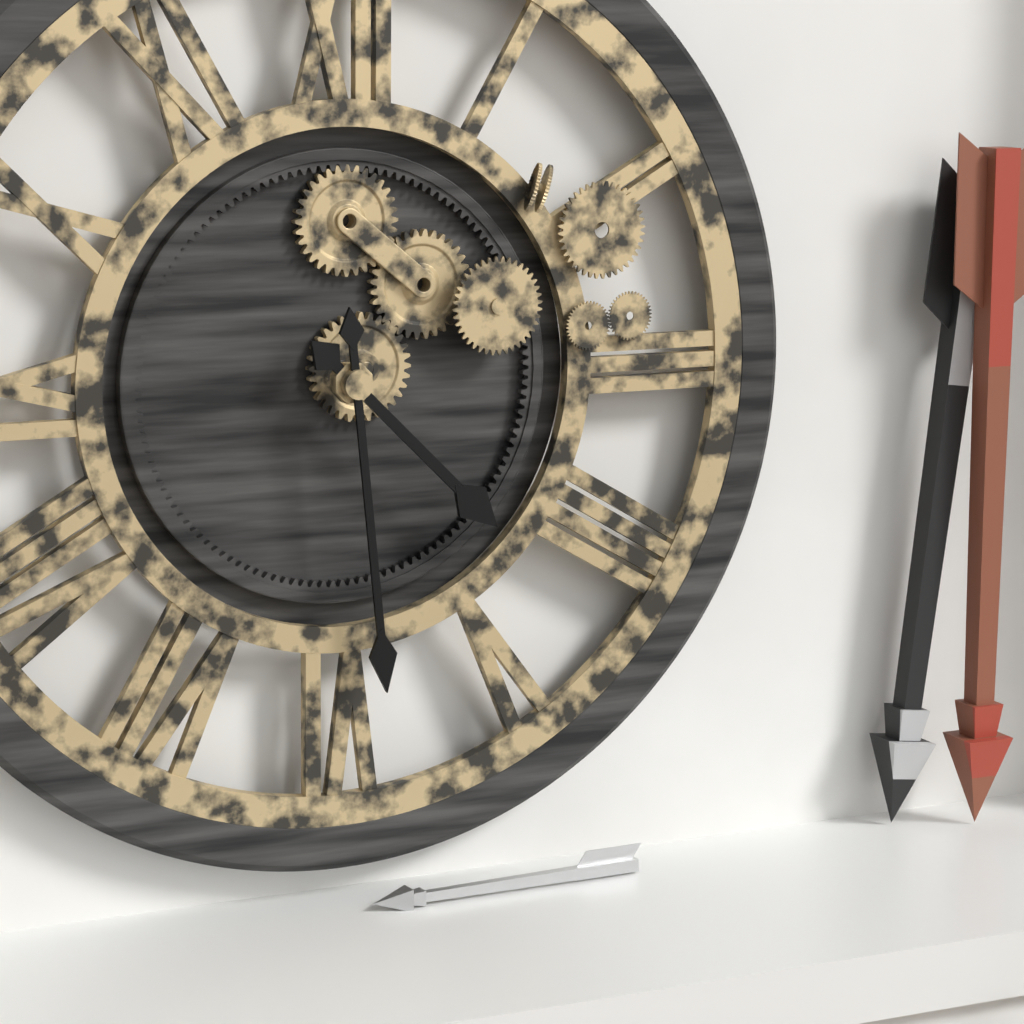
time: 4:29
